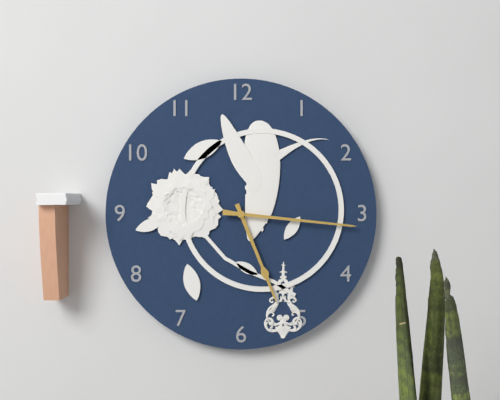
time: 5:16
